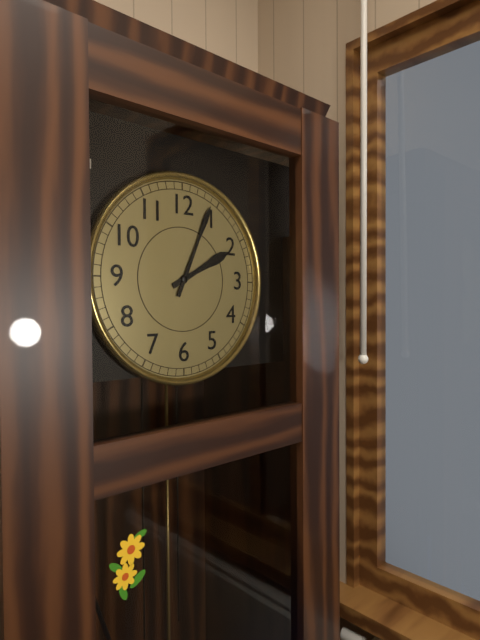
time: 2:04
